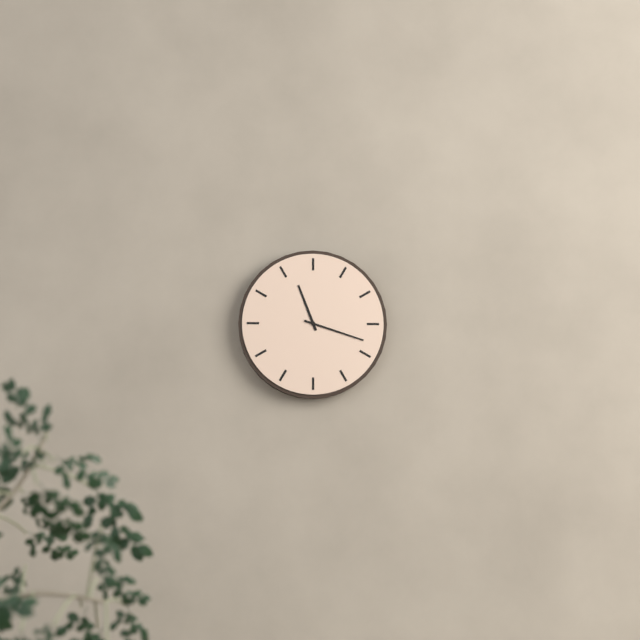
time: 11:18
